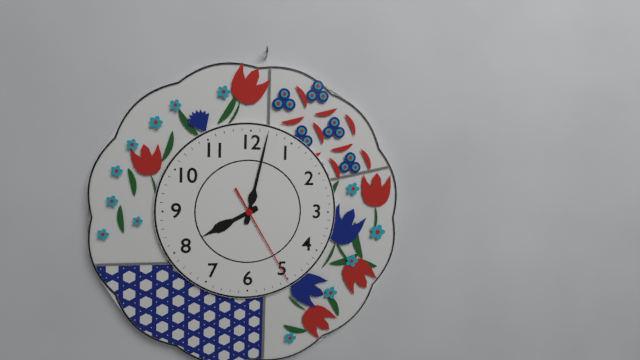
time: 8:02:25
